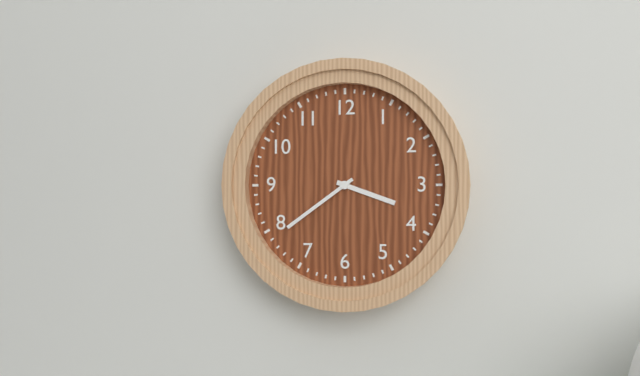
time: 3:39
